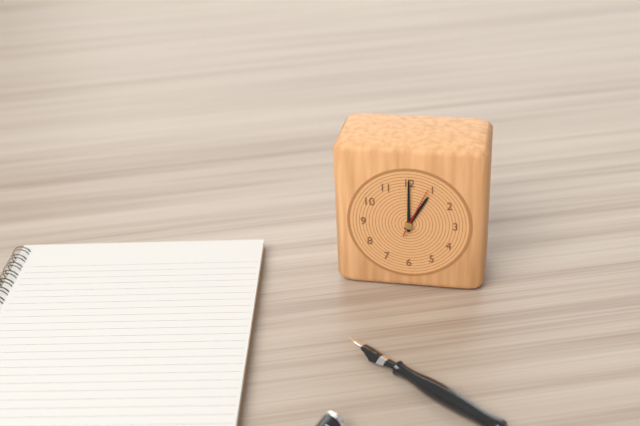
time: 1:00:04
